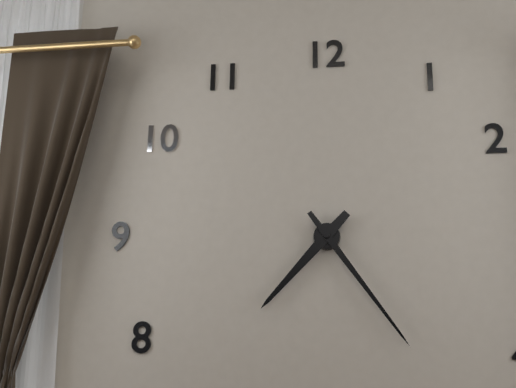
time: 7:24
